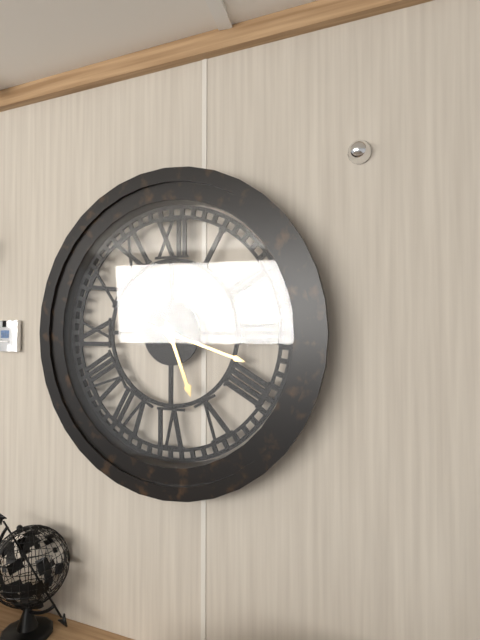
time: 5:18
